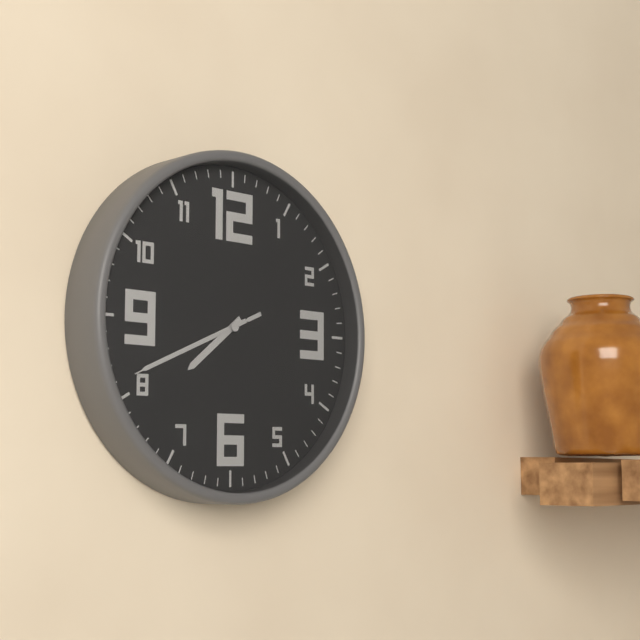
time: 7:41:41
